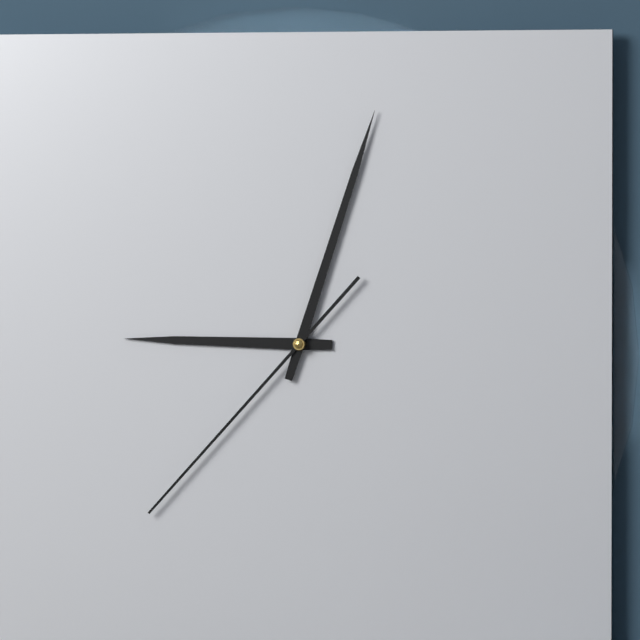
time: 9:03:37
